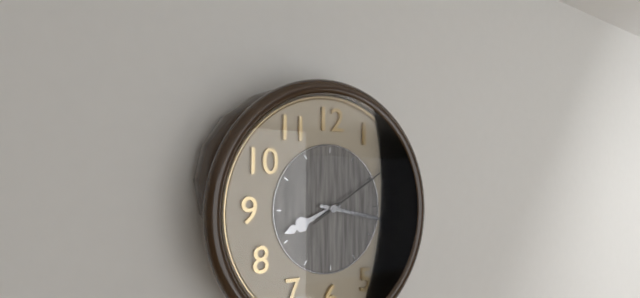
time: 8:17:10
